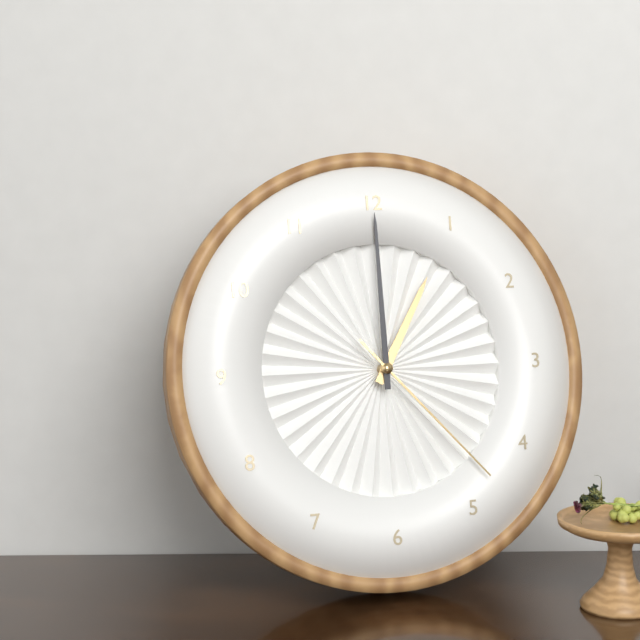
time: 1:00:23
